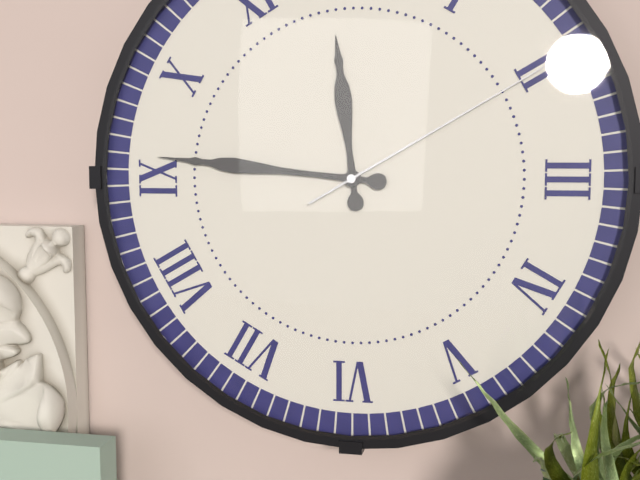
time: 11:46:10
